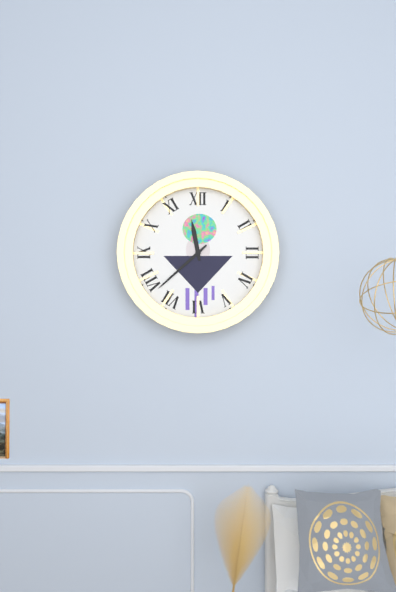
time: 11:38
